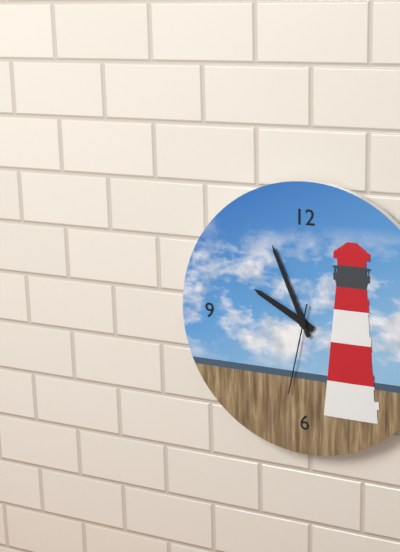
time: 9:56:32
